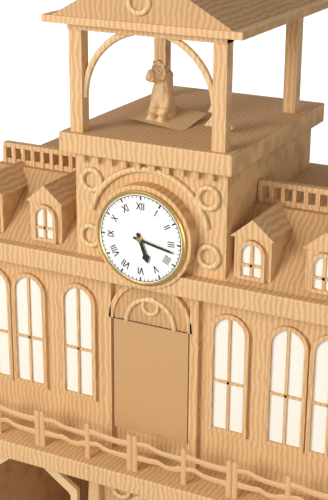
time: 5:17
